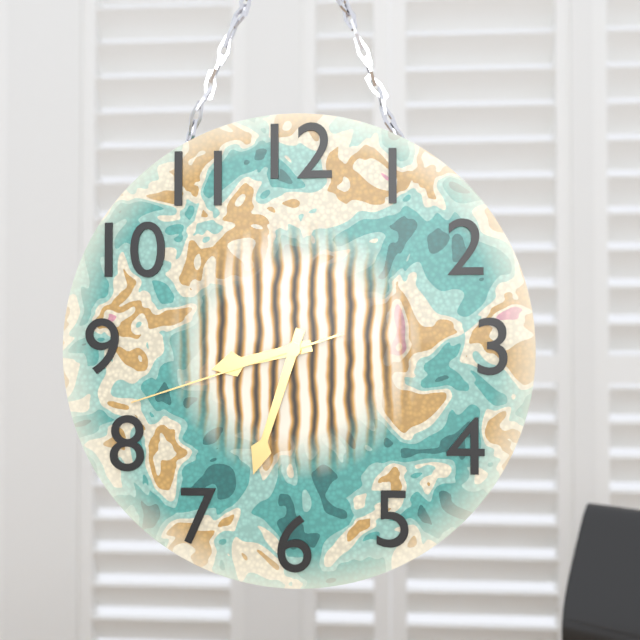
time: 8:33:42
